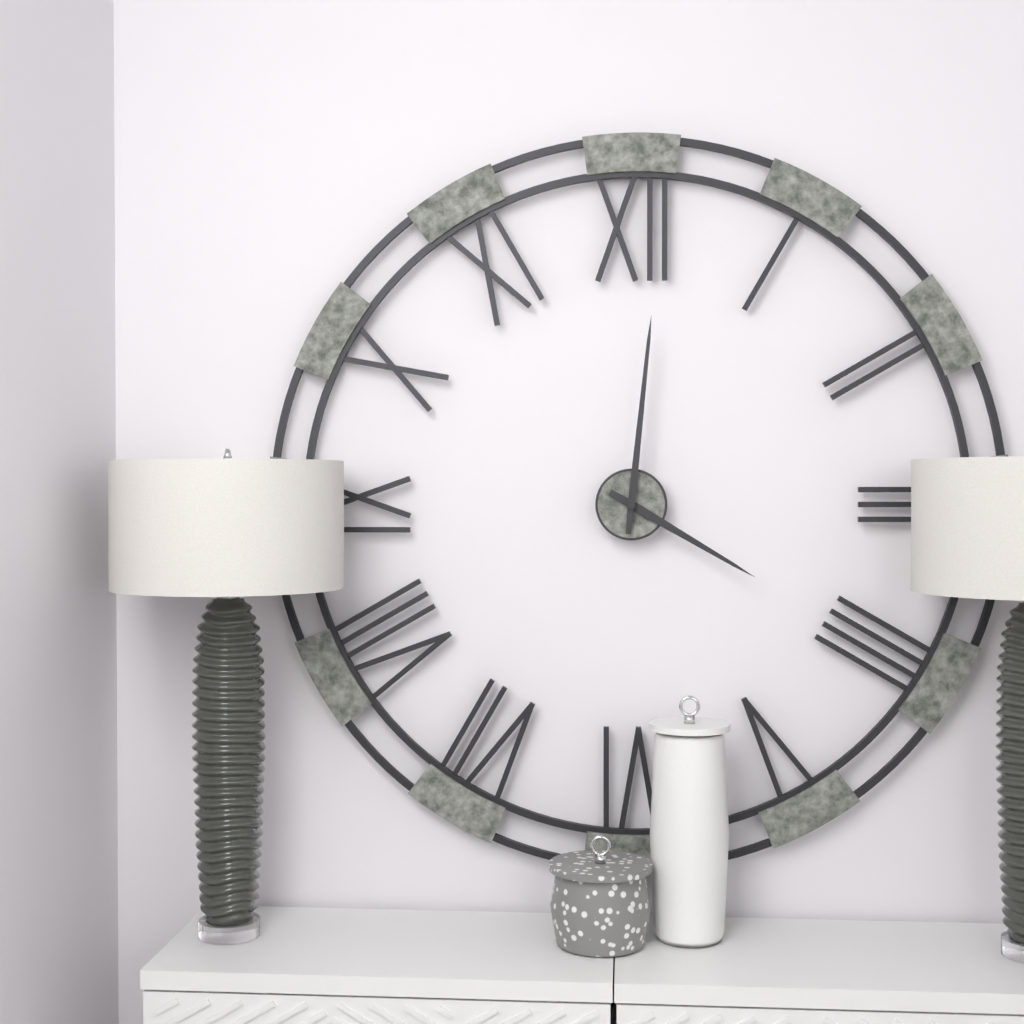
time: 4:01
